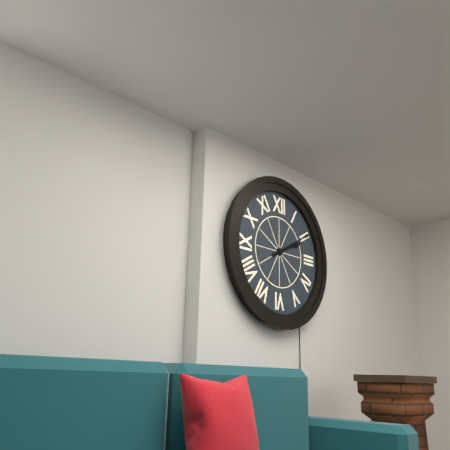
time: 2:10
